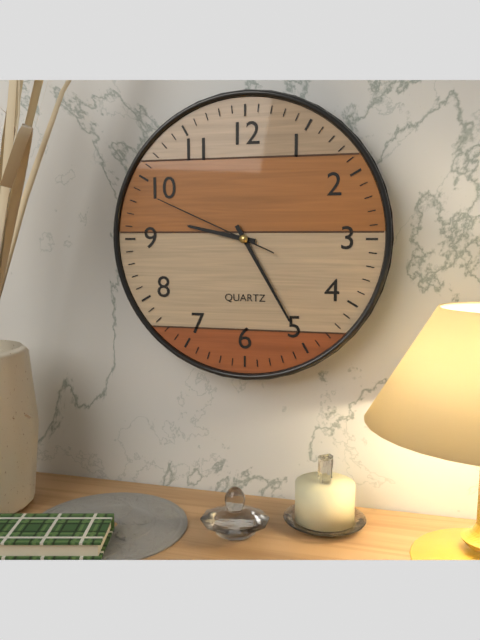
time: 9:25:49
